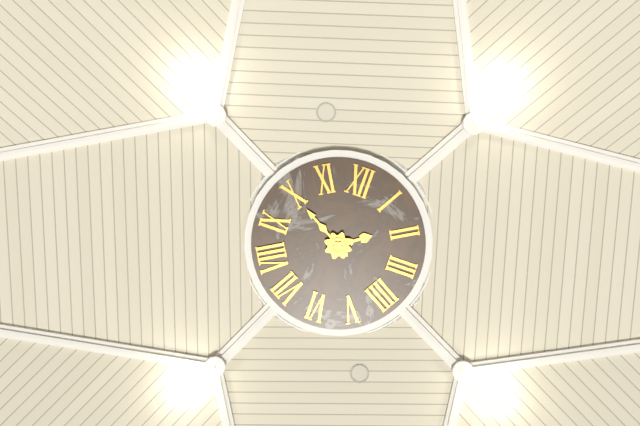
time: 1:50
